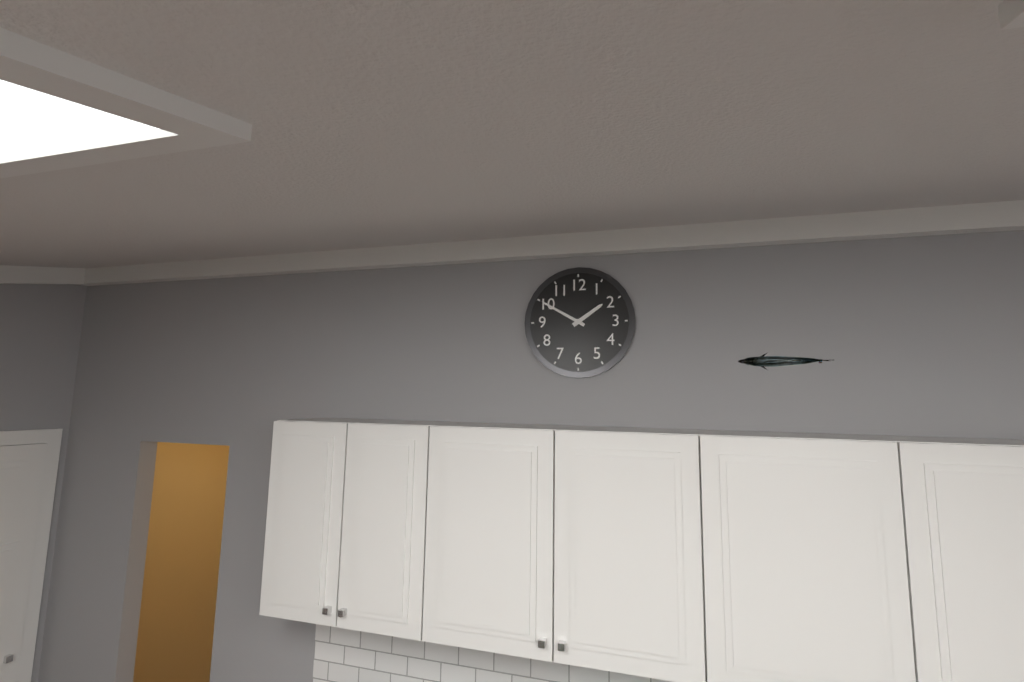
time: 1:50
